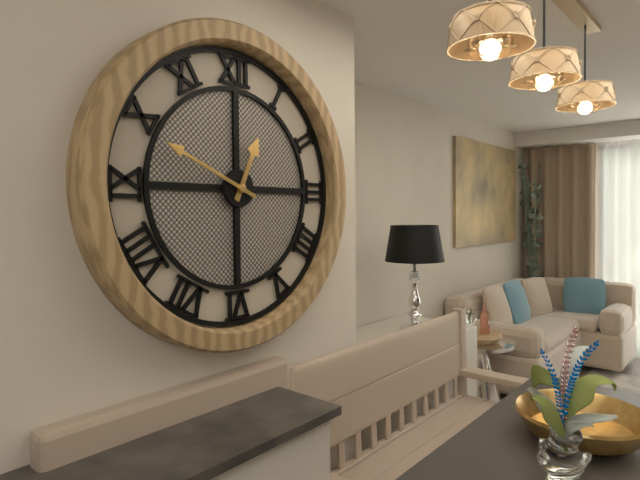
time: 12:49
